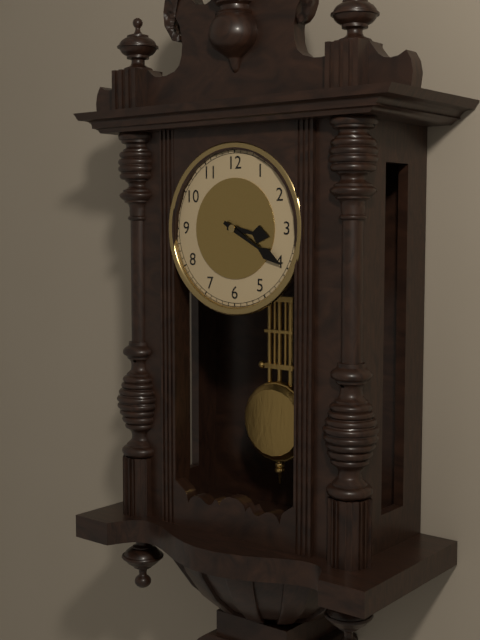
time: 3:20
